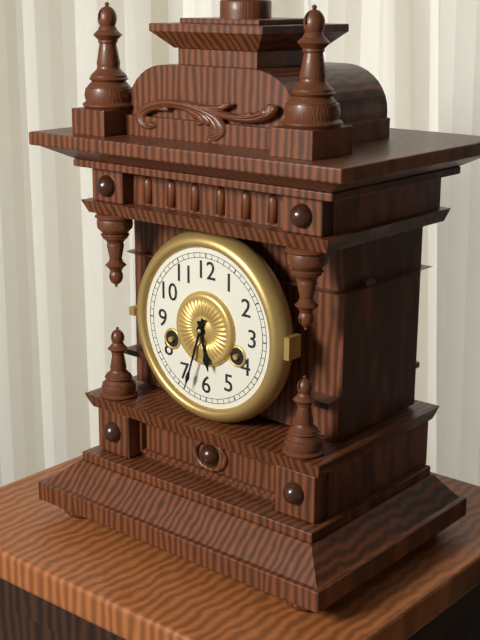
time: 5:33
